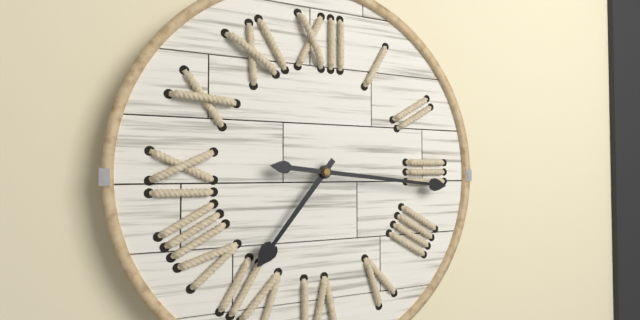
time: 7:16
